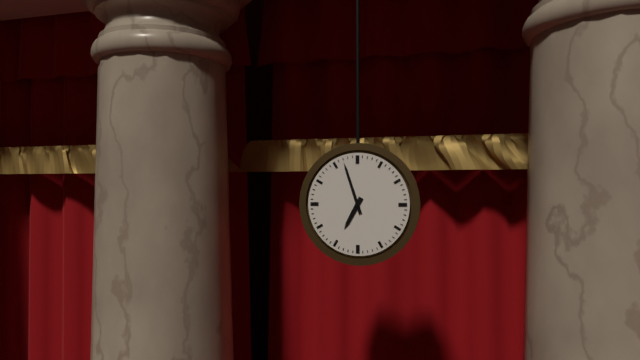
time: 6:57
